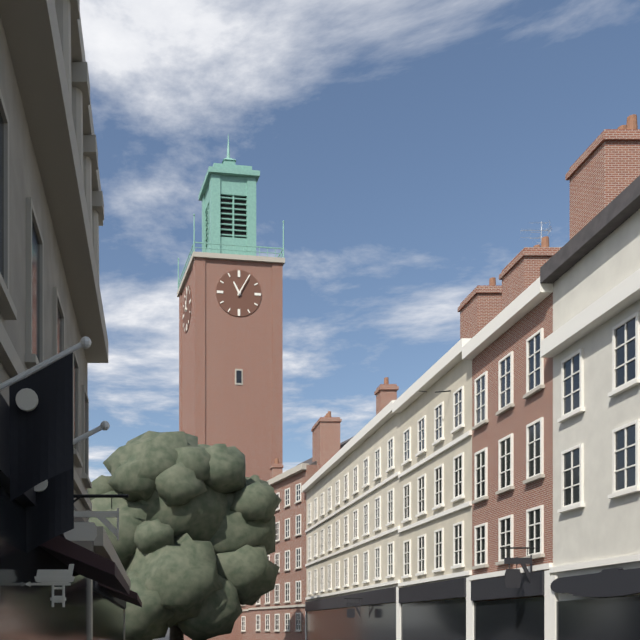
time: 11:05
